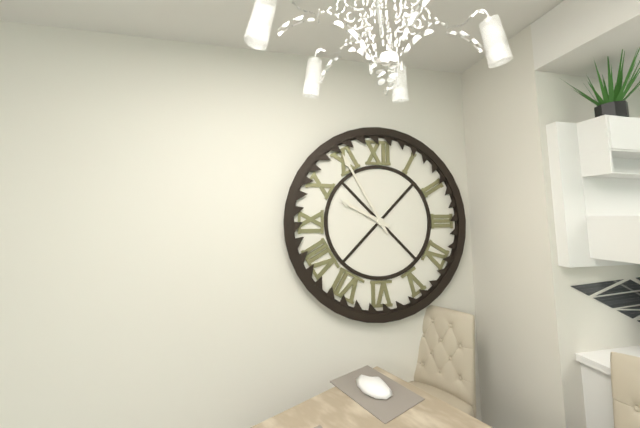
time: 9:55
